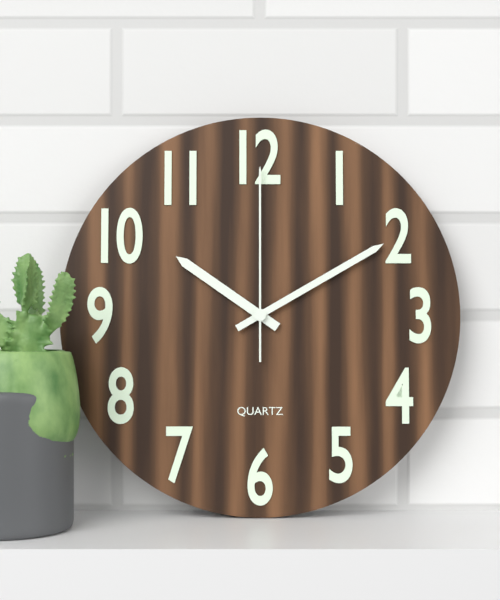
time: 10:10:00
